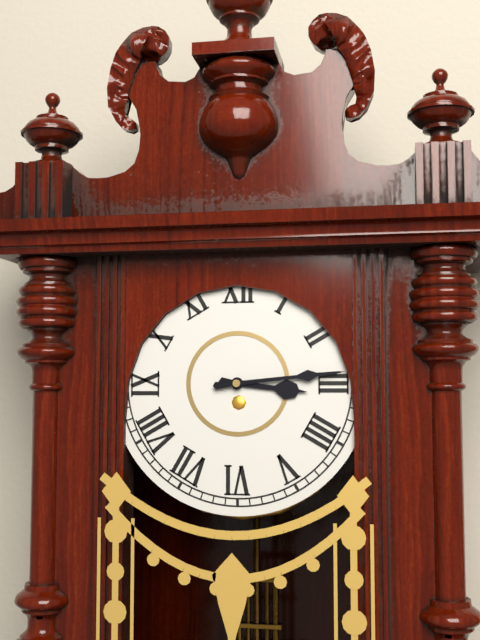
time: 3:14
